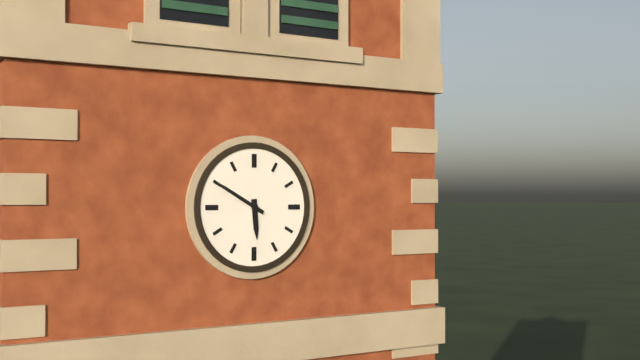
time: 5:50
